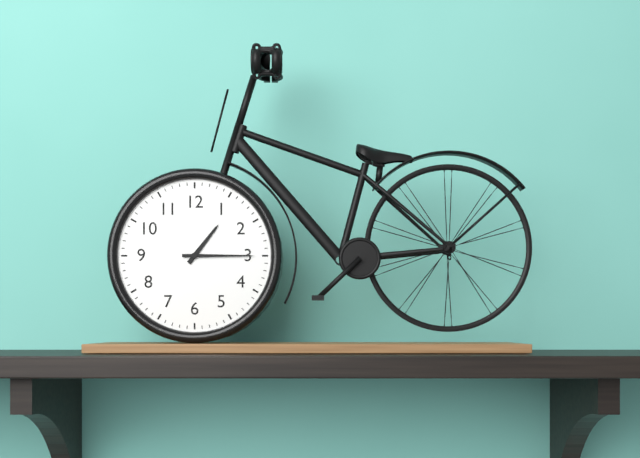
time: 1:15
